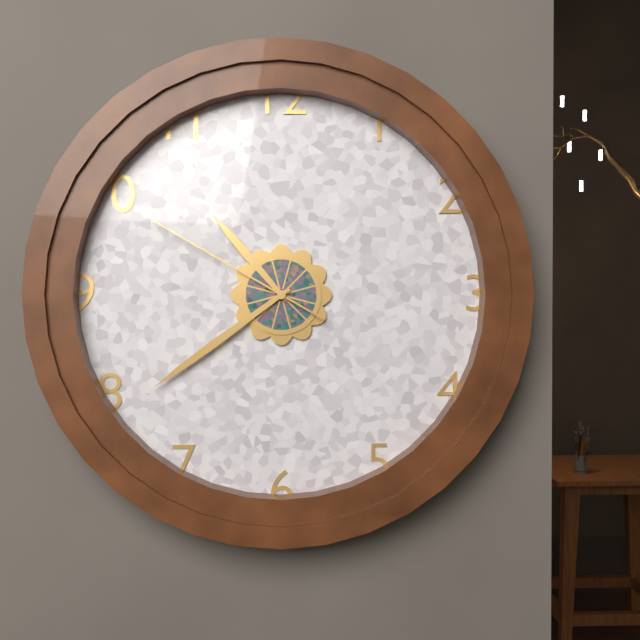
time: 10:39:50
